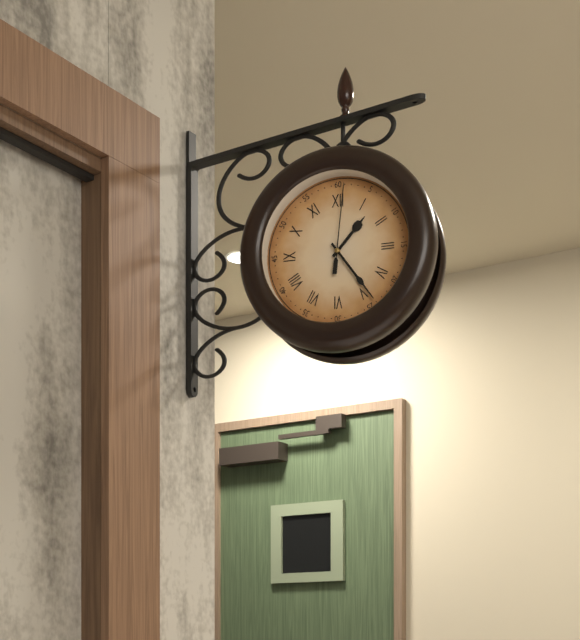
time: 1:24:01
